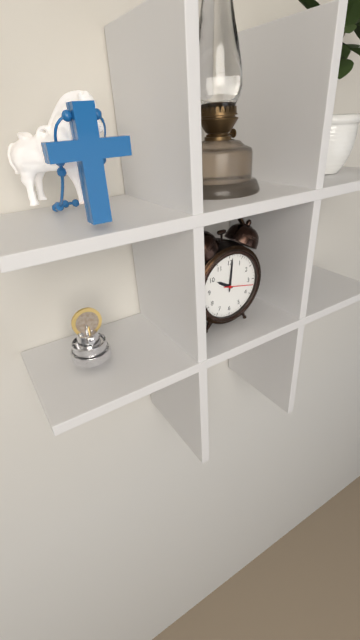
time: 10:01
